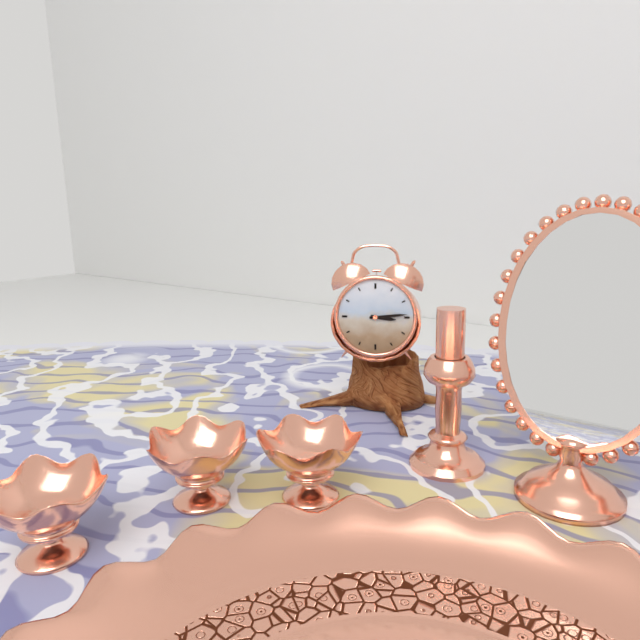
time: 3:14
